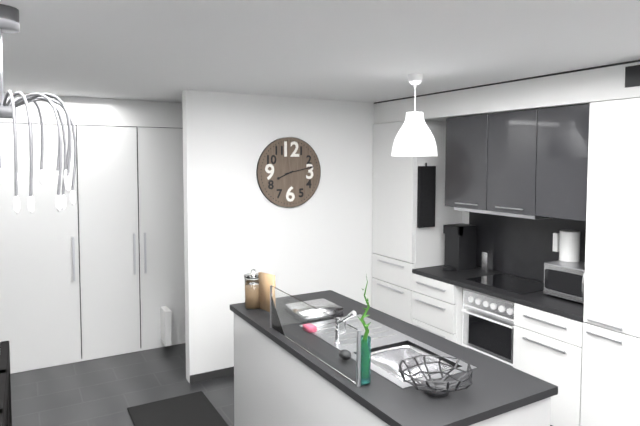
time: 8:13
